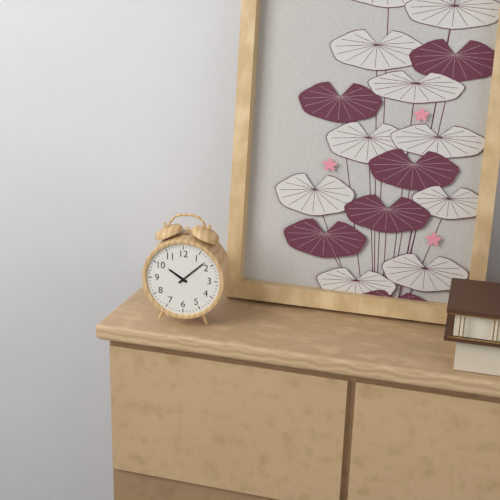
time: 10:08
